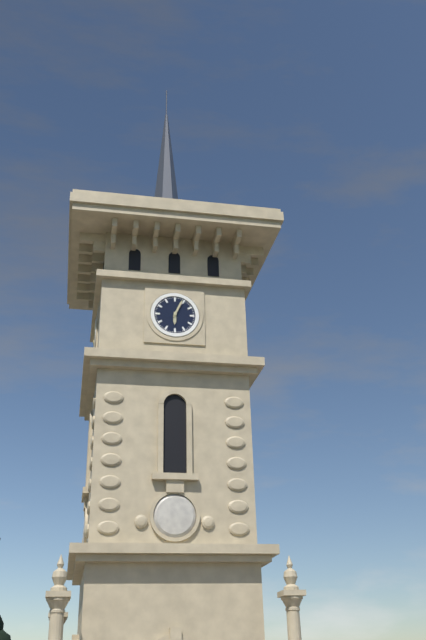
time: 6:04
